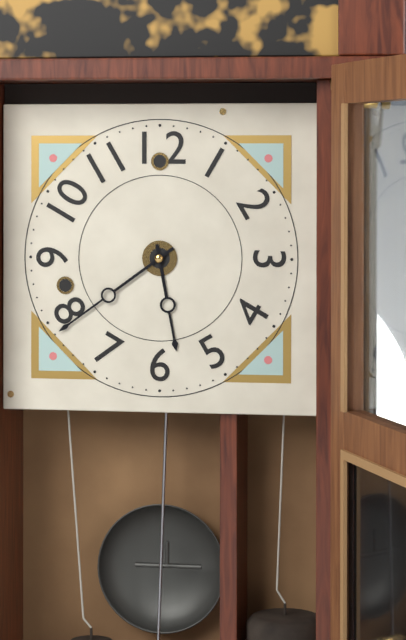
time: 5:39
